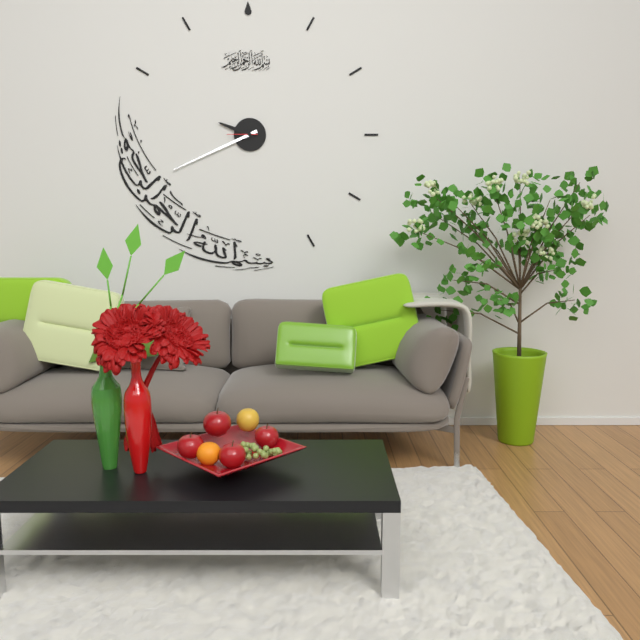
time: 9:41
